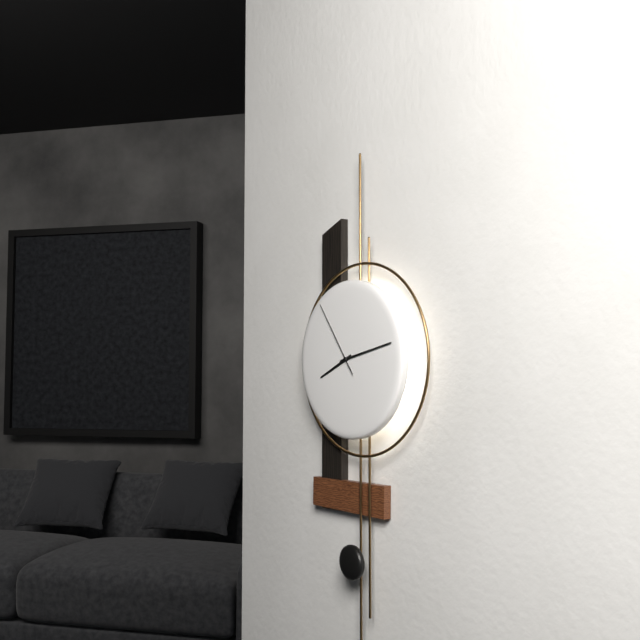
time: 8:13:54
